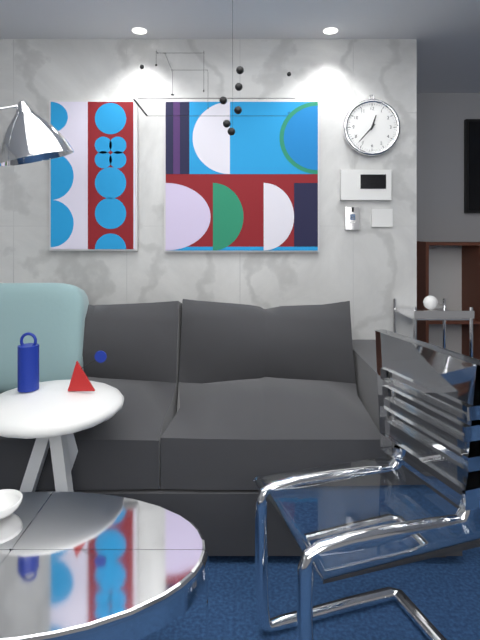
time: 12:37
